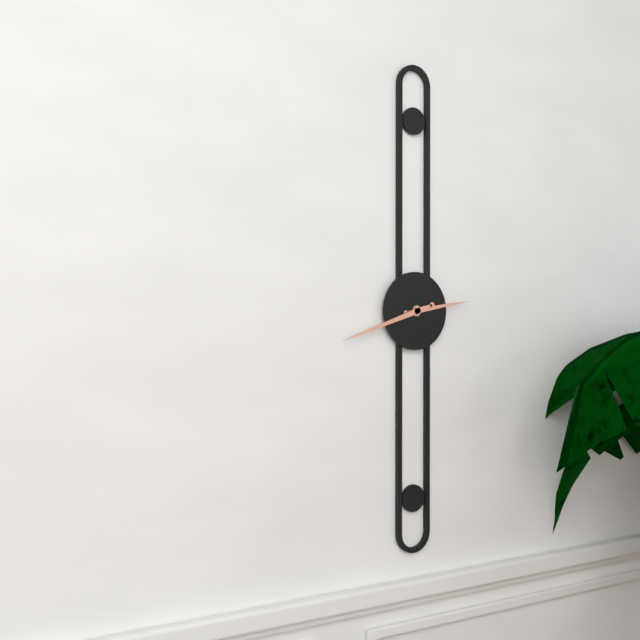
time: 2:42
